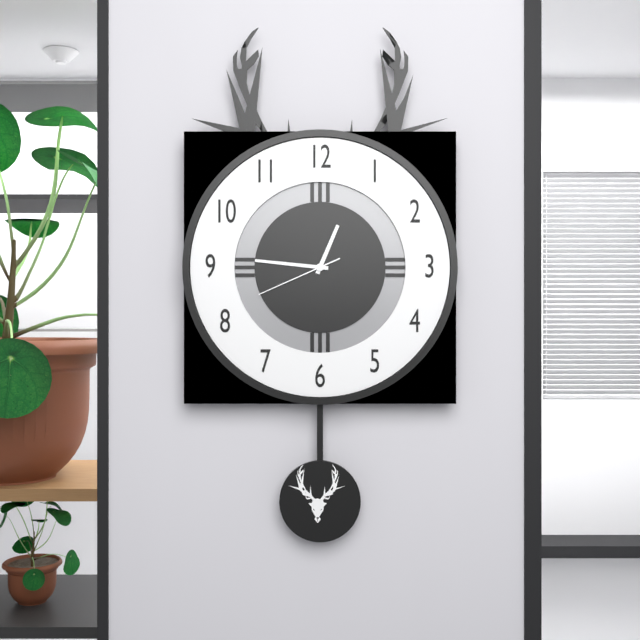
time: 12:46:41
